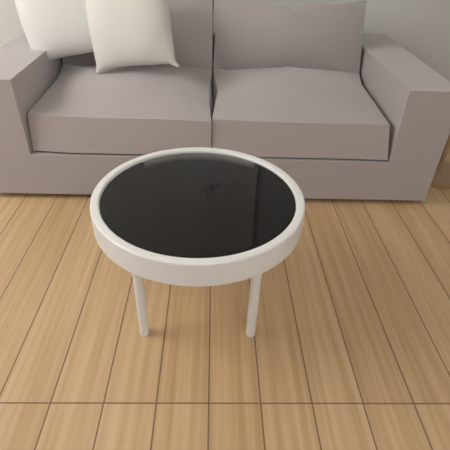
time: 3:27
